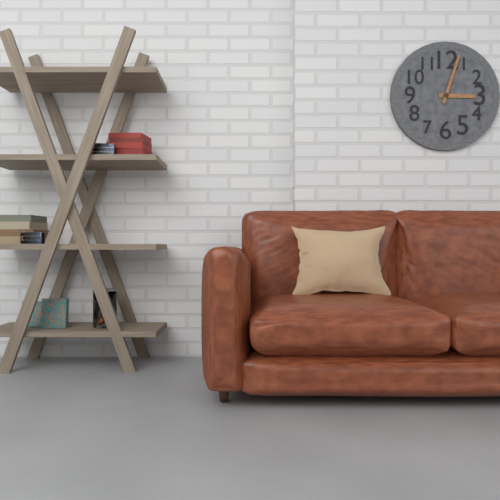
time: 3:03
